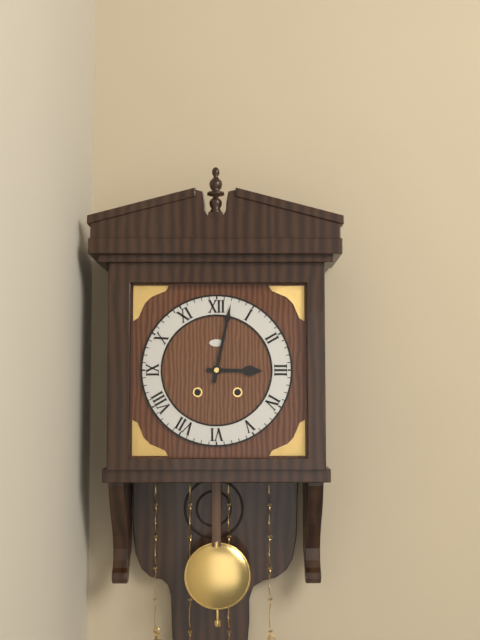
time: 3:02
